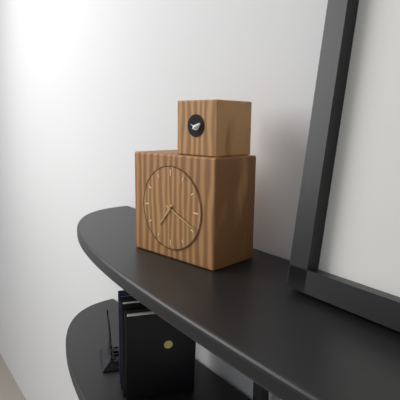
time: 7:19
